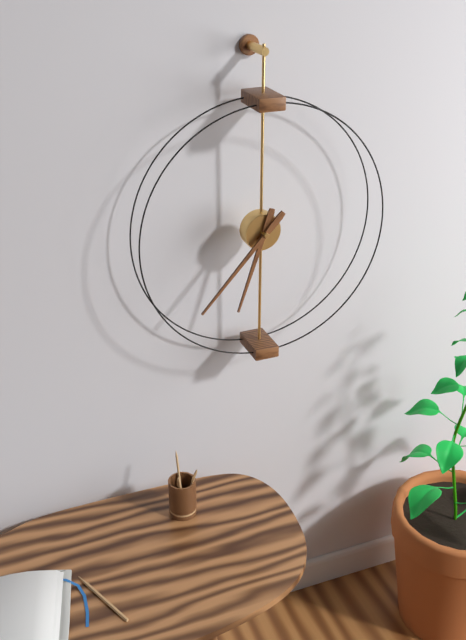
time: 6:37
